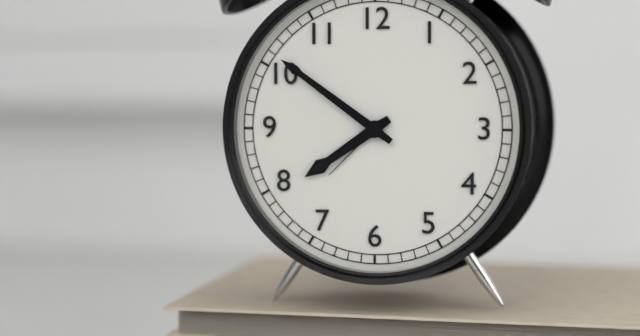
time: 7:51
